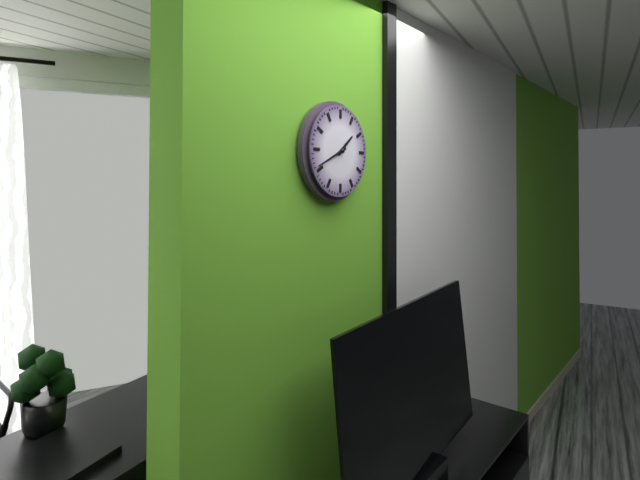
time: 1:41
